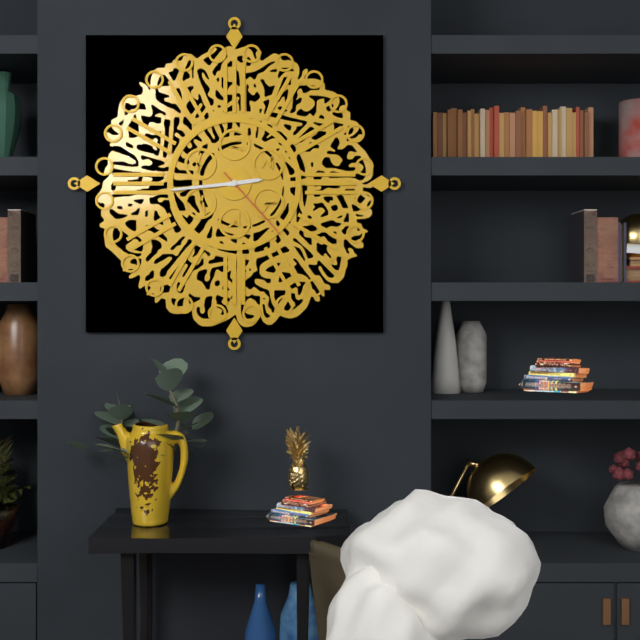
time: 2:44:23
